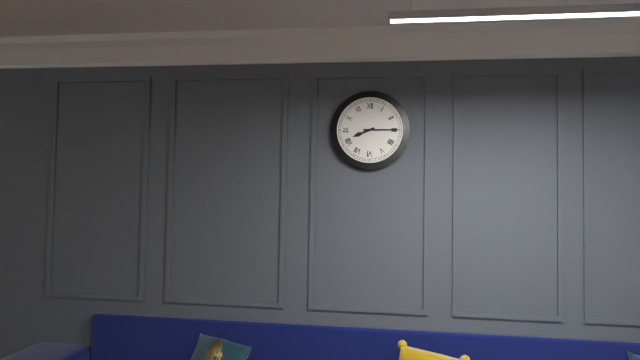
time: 8:15
